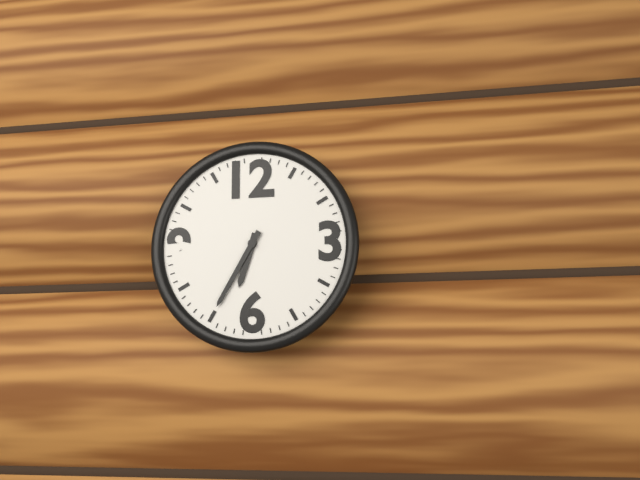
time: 6:35
